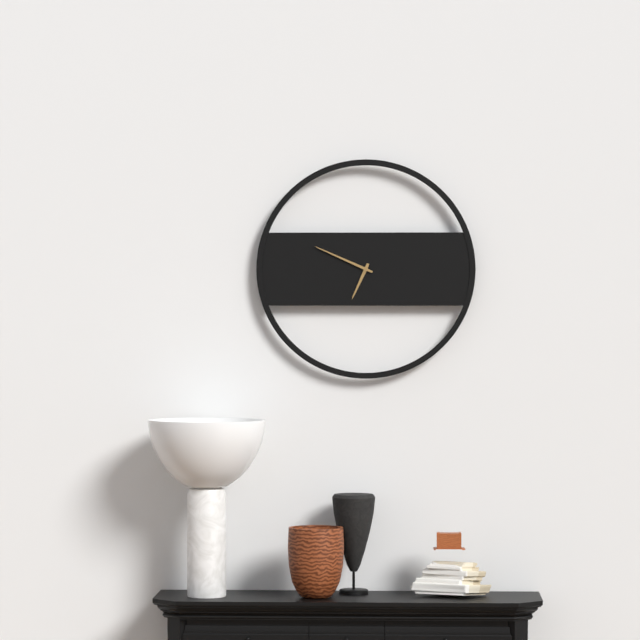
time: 6:49
